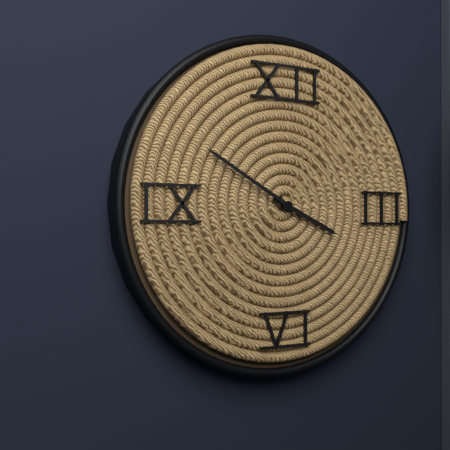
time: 3:50
